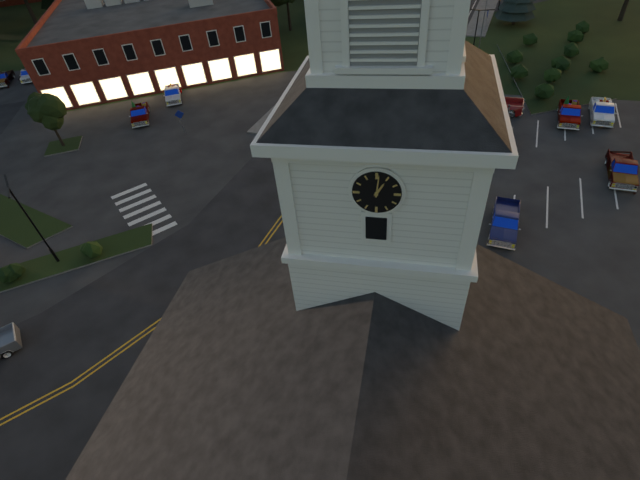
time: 1:01
